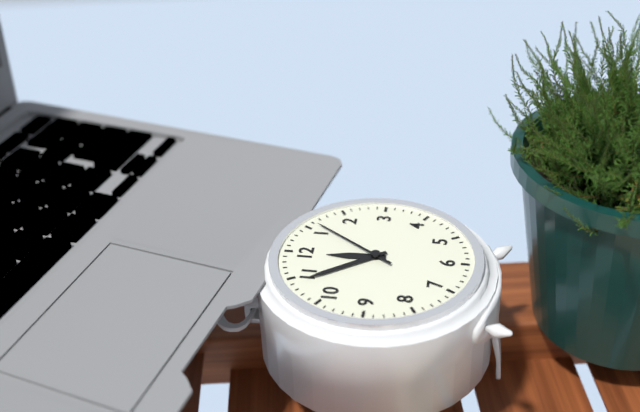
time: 11:54:06
